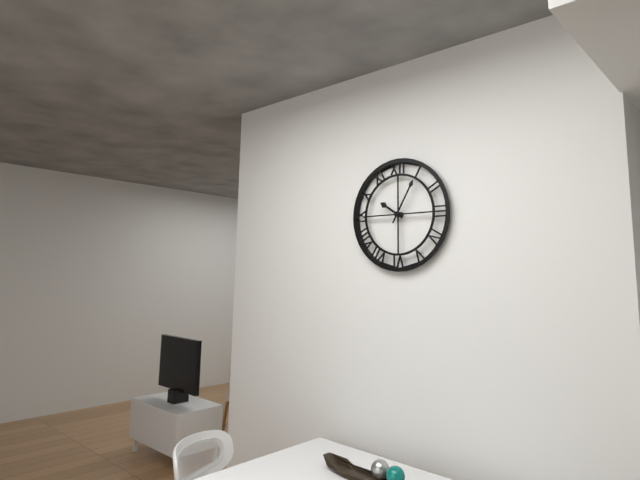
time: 10:05
